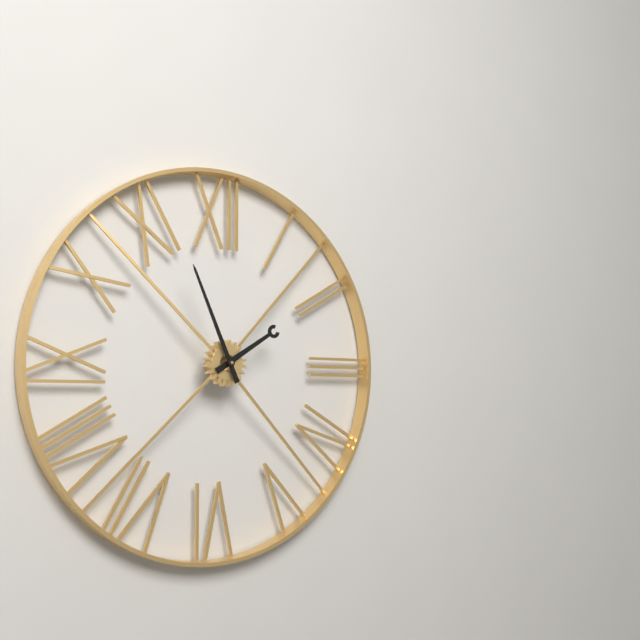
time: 1:56
